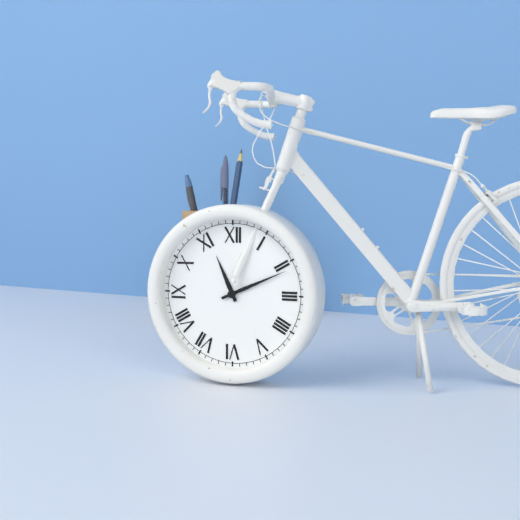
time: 11:11
